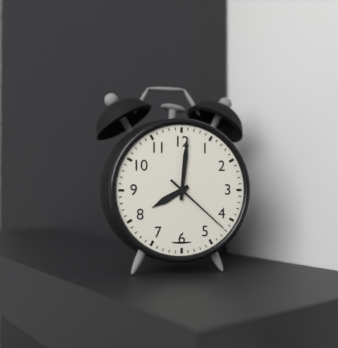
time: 8:01:22
